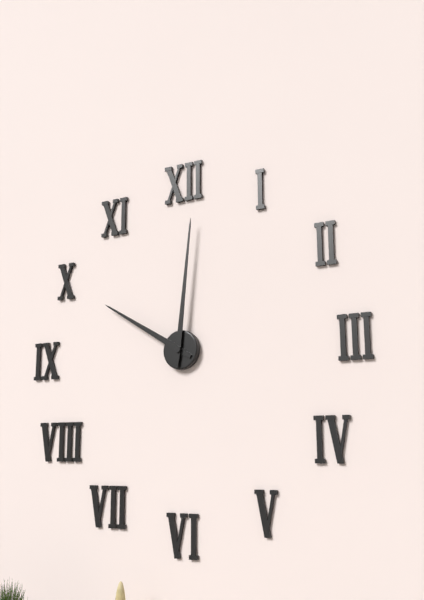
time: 10:01
